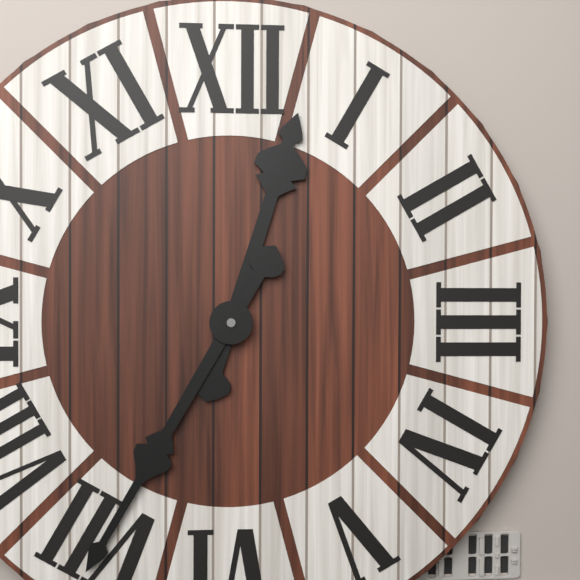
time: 12:35
